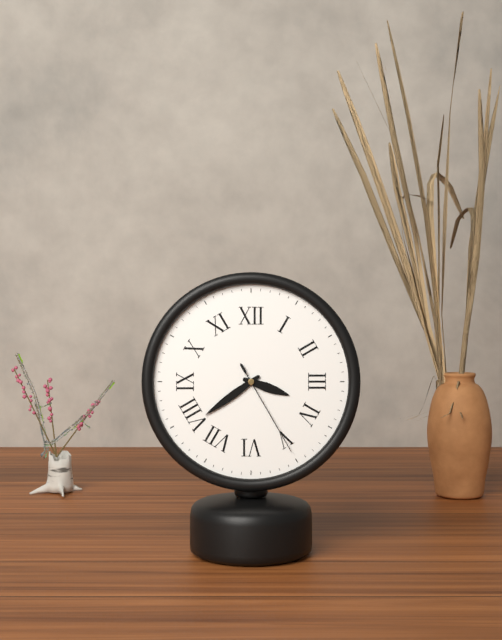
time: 3:39:25
